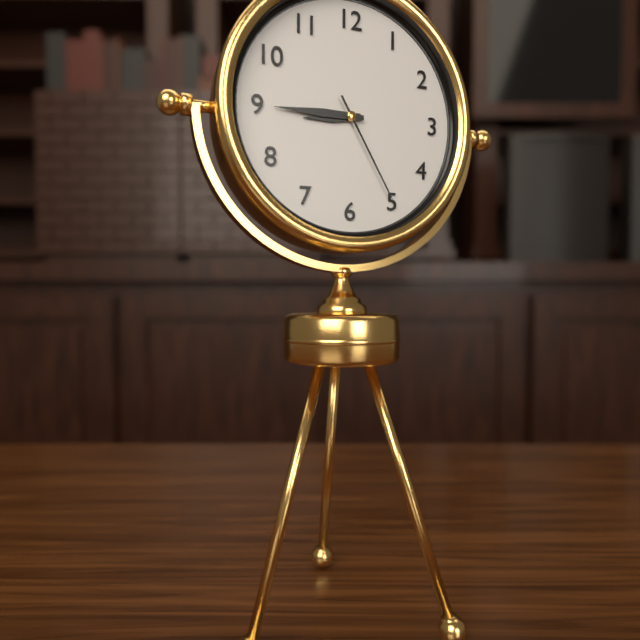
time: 8:45:25
